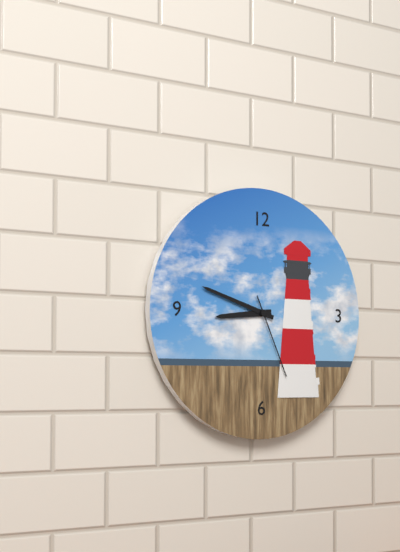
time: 8:48:26
